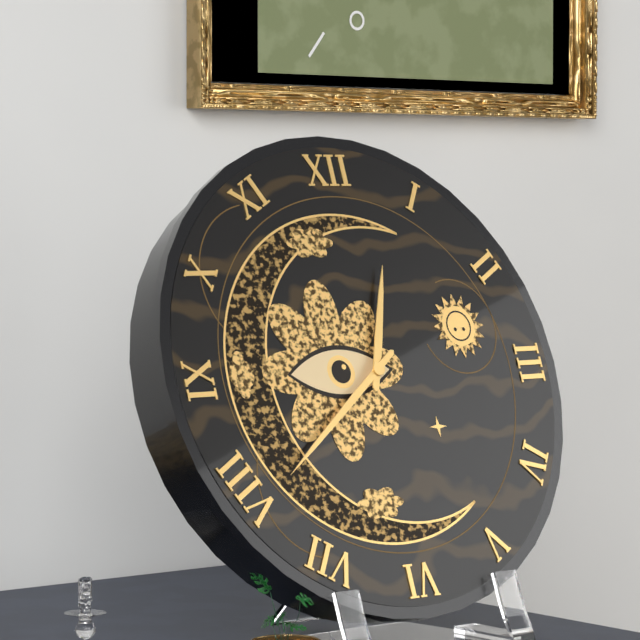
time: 12:39
